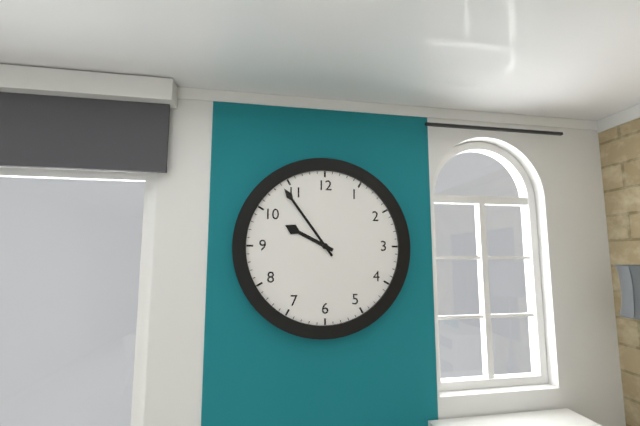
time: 9:54
